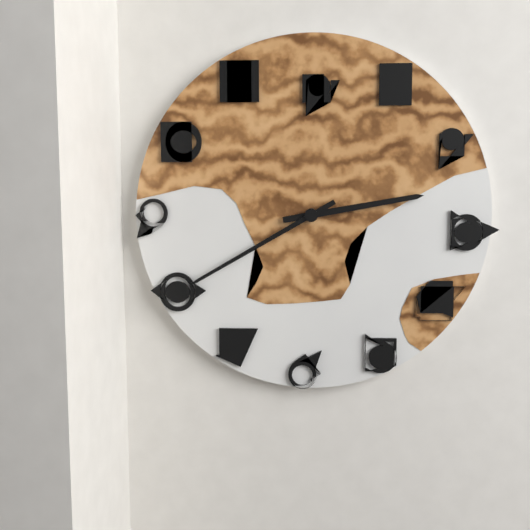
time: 2:40
